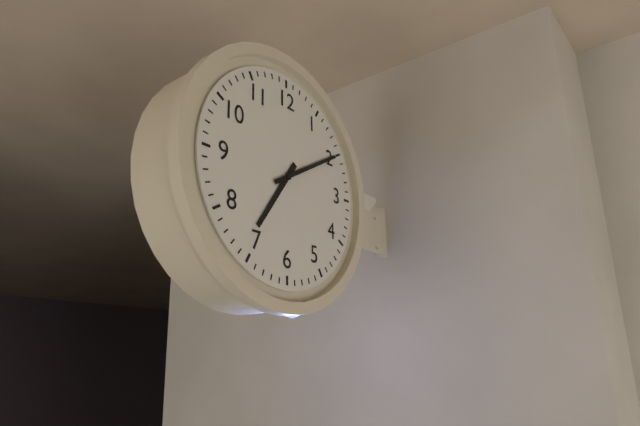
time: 7:10
